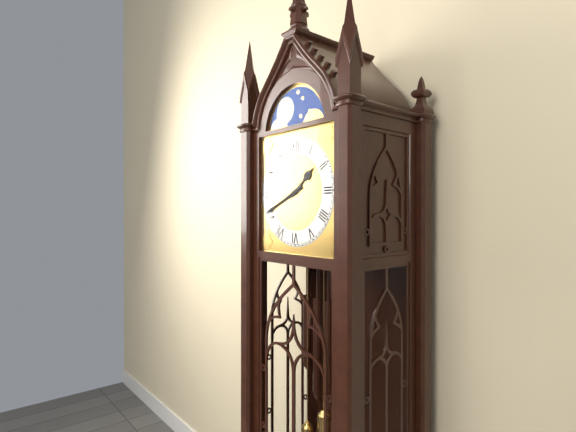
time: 1:41
